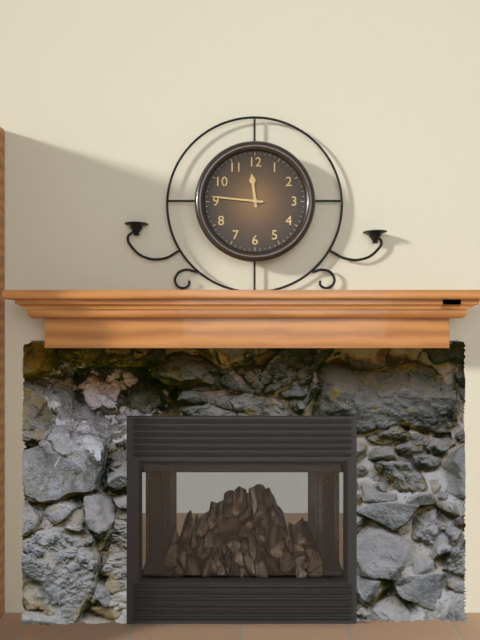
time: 11:46
